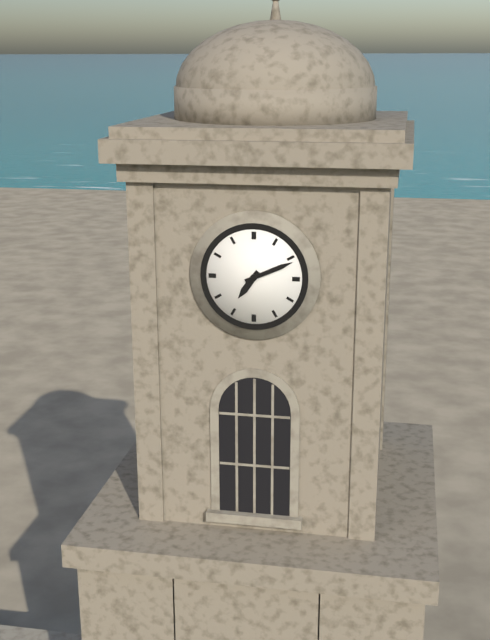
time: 7:11
